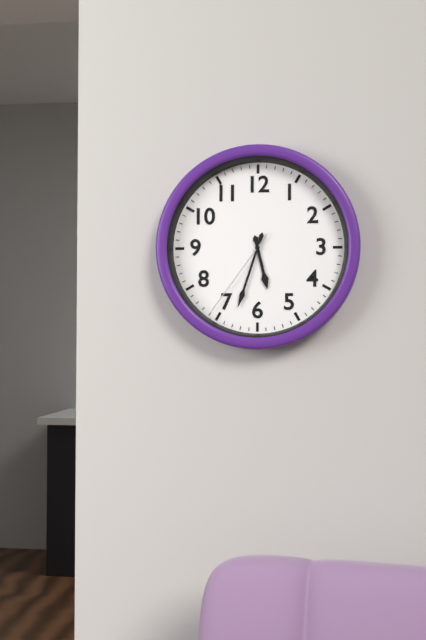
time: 5:33:36
